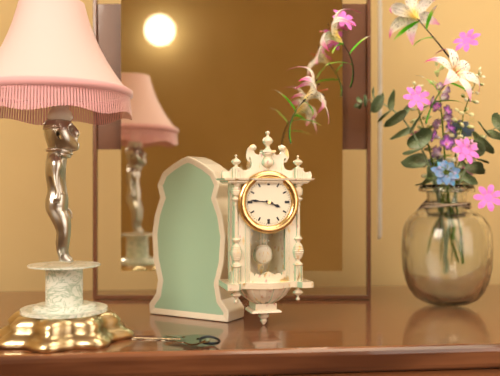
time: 3:46
